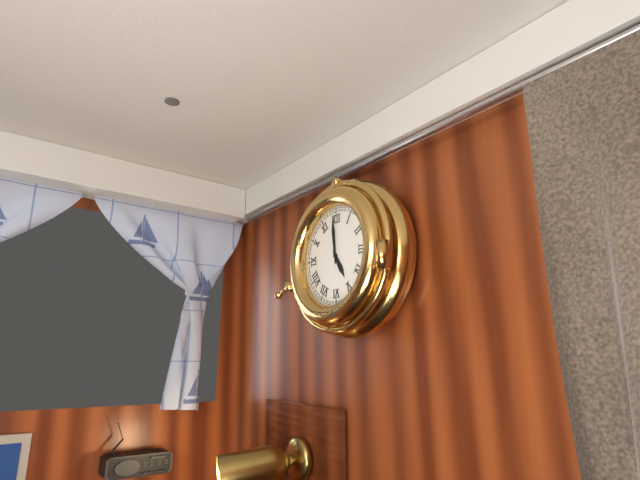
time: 4:59
